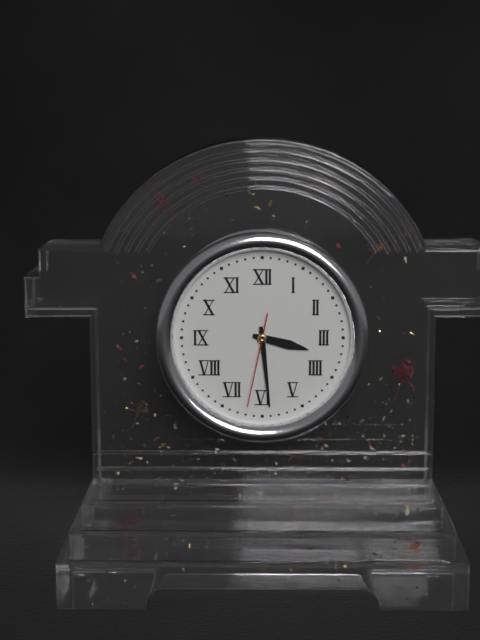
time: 3:29:32
